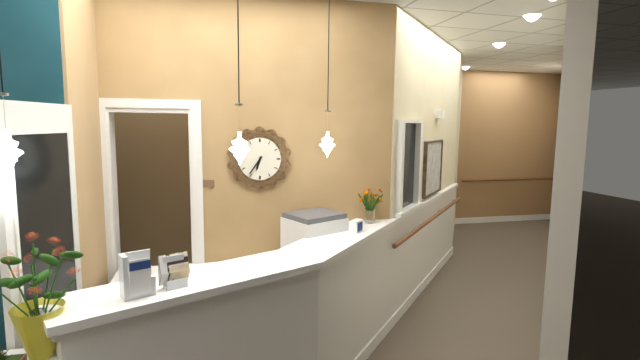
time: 6:36
